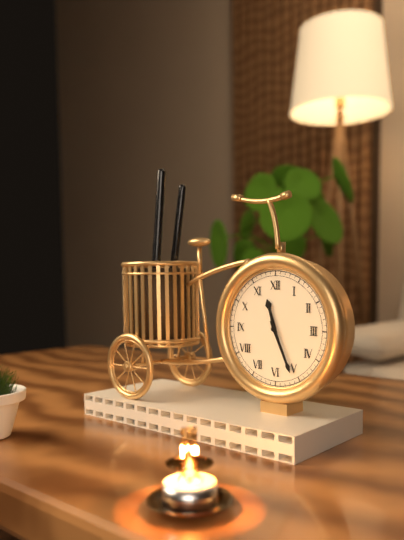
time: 11:26
